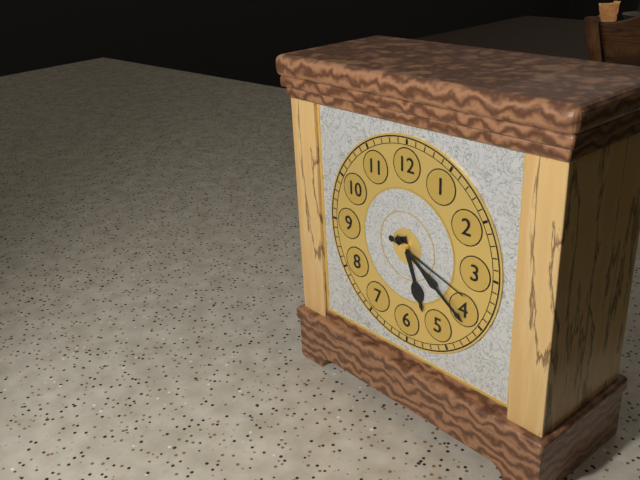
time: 5:21:18
